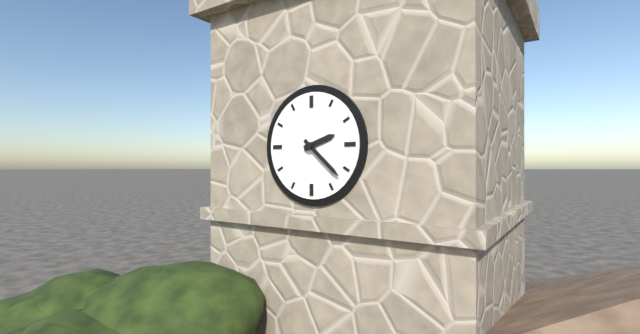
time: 2:22
